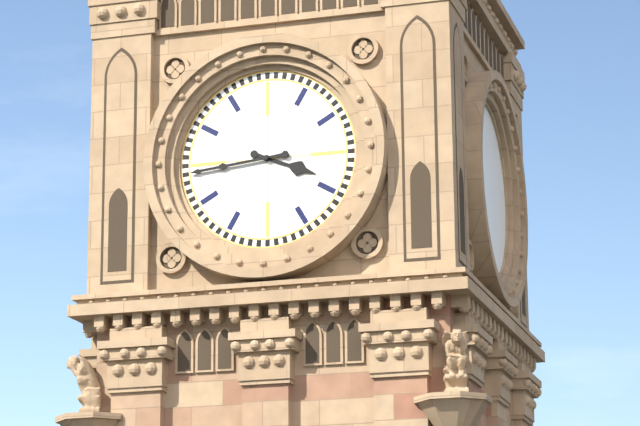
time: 3:44
